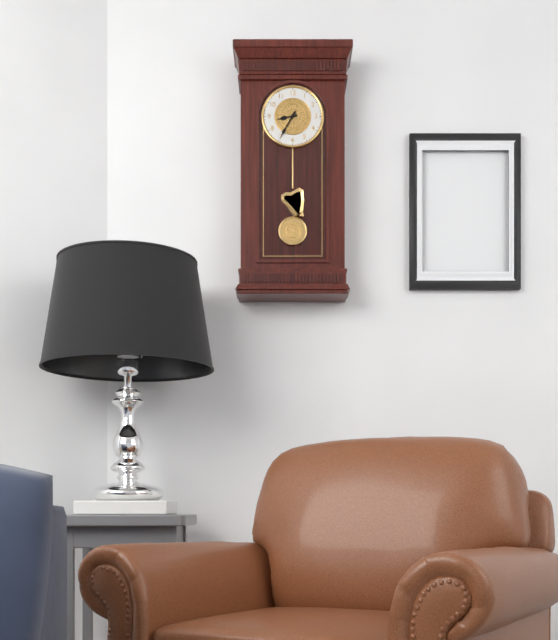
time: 8:35
